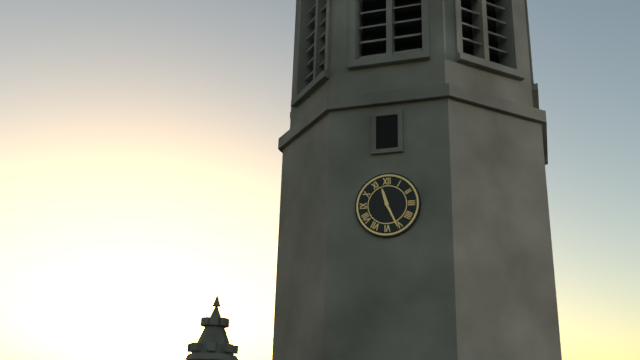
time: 11:26
